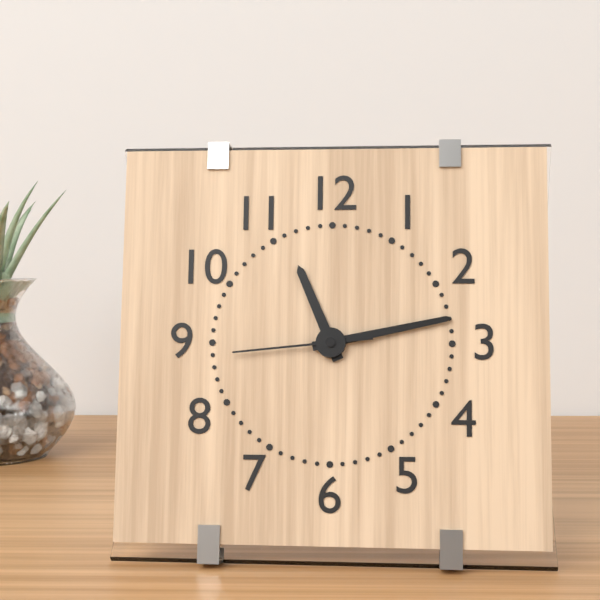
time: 11:13:44
